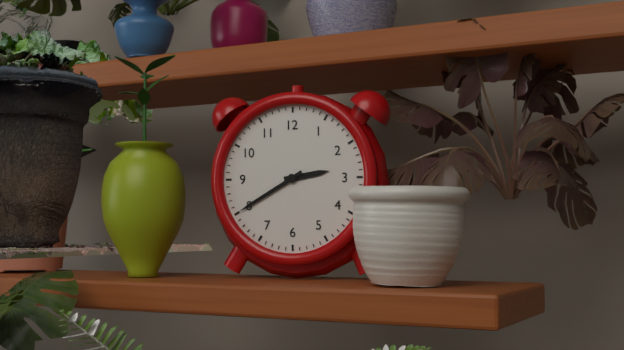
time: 2:40
